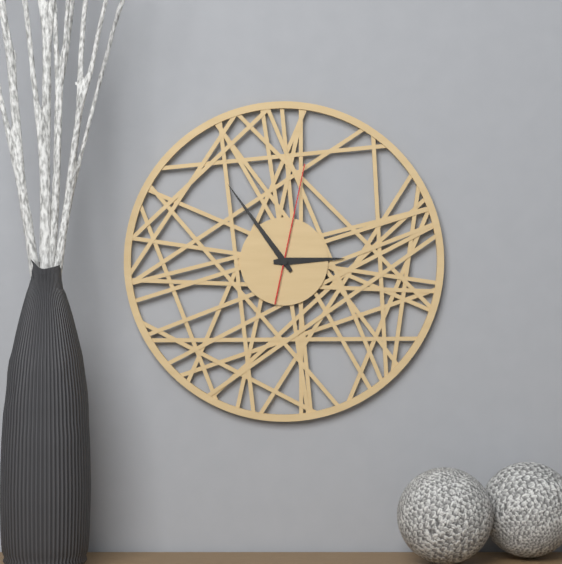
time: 2:54:02
